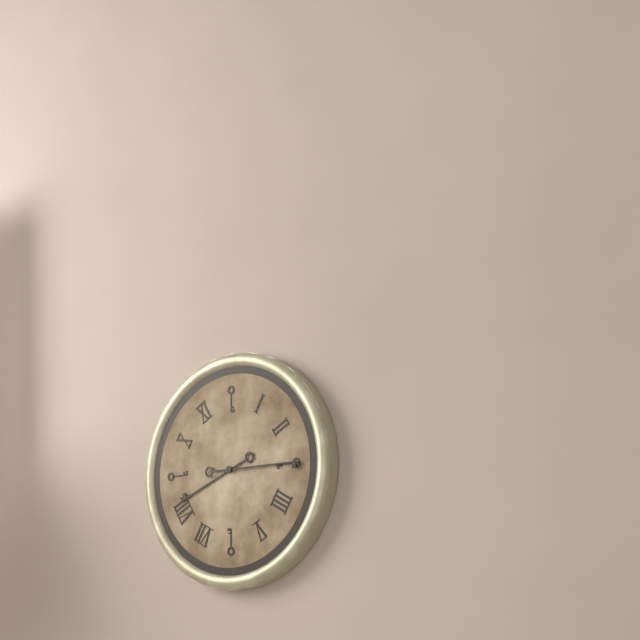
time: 8:15
